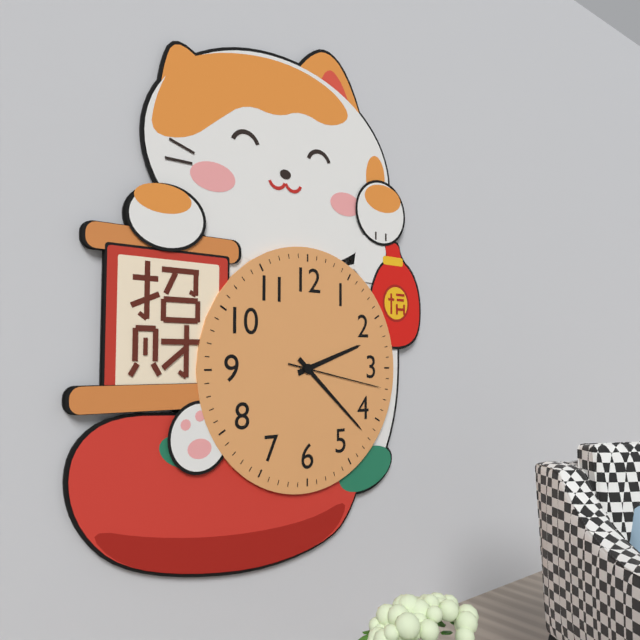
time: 2:22:17
